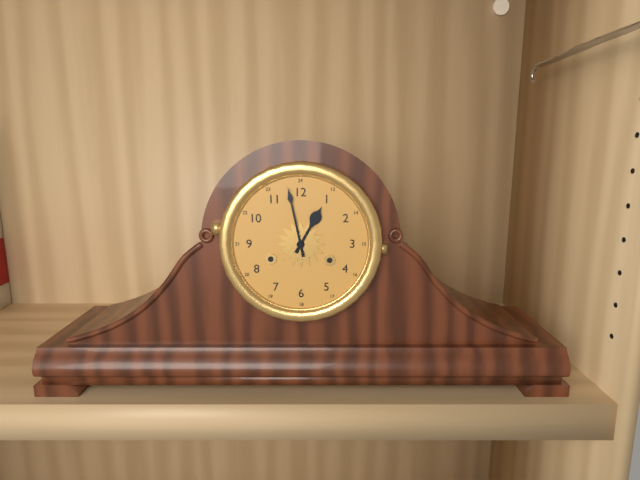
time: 12:58
